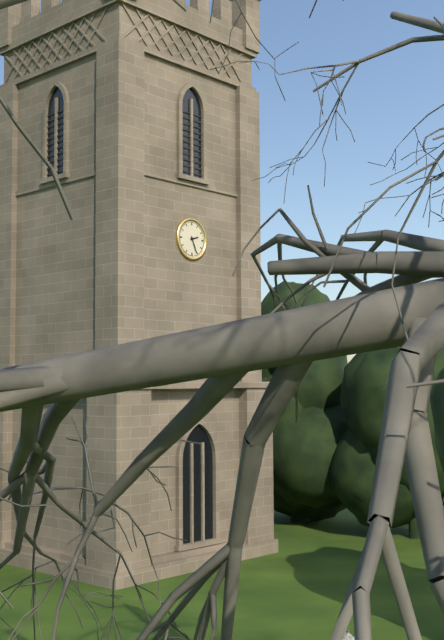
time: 2:26
